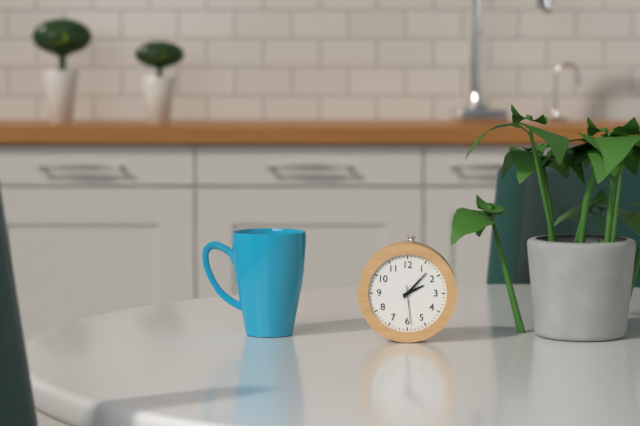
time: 2:07
